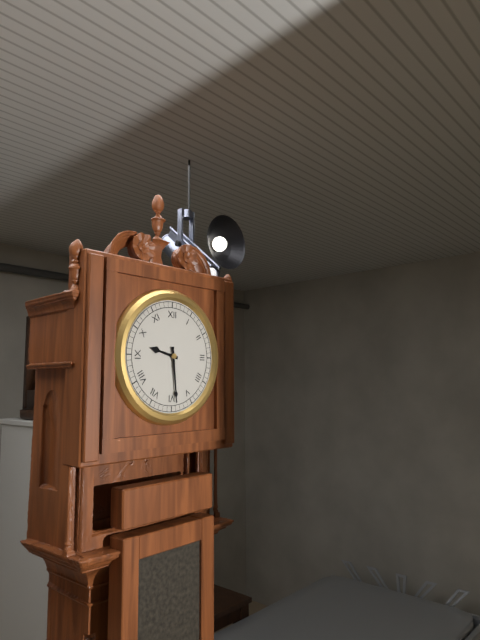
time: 9:29
